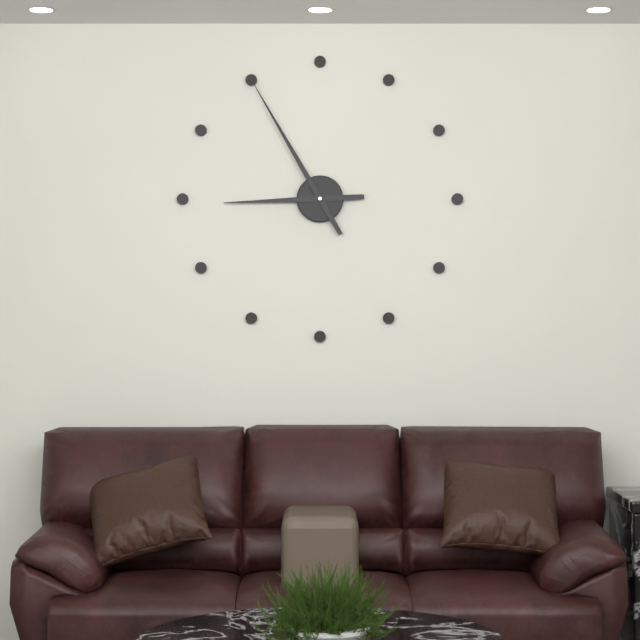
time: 8:55
